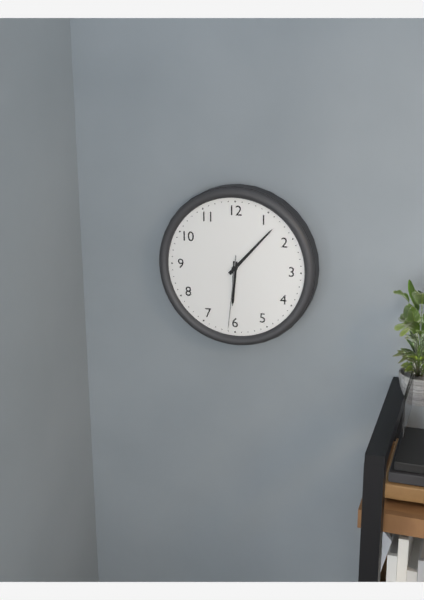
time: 6:07:31
